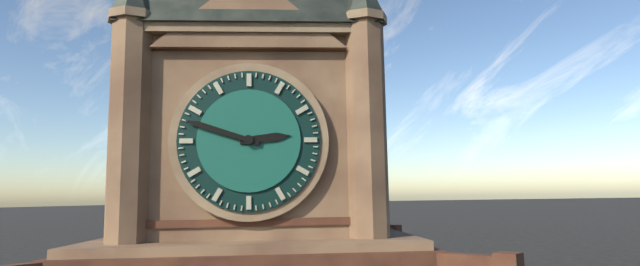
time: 2:48
